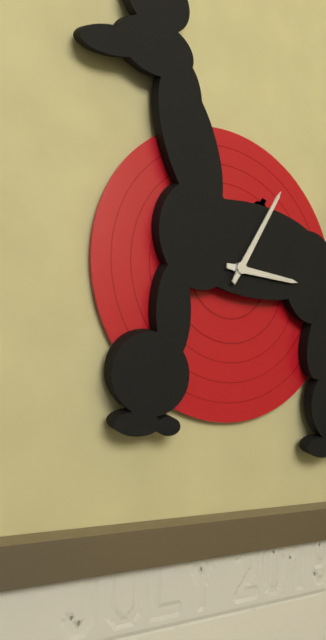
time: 3:05
